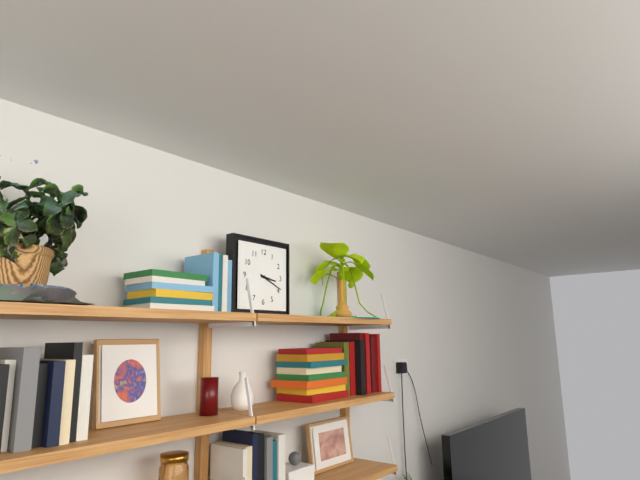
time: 3:19
